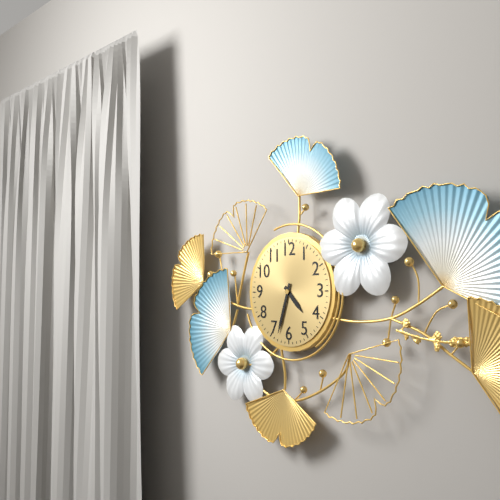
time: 4:33
